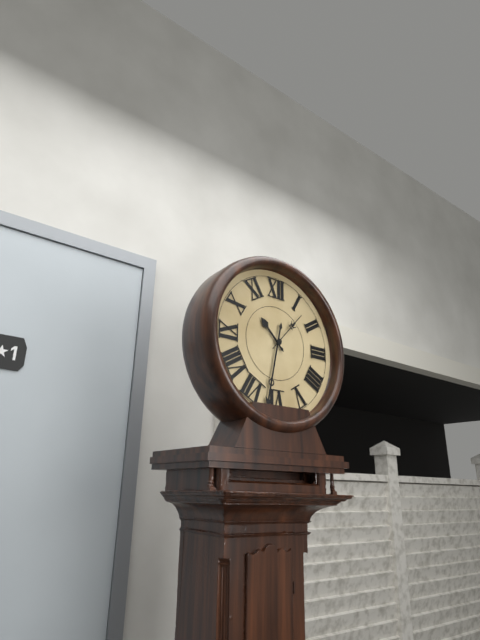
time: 10:32:07
